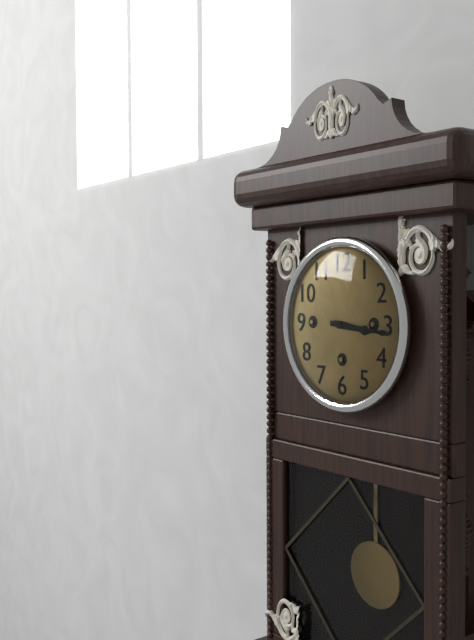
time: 3:16
